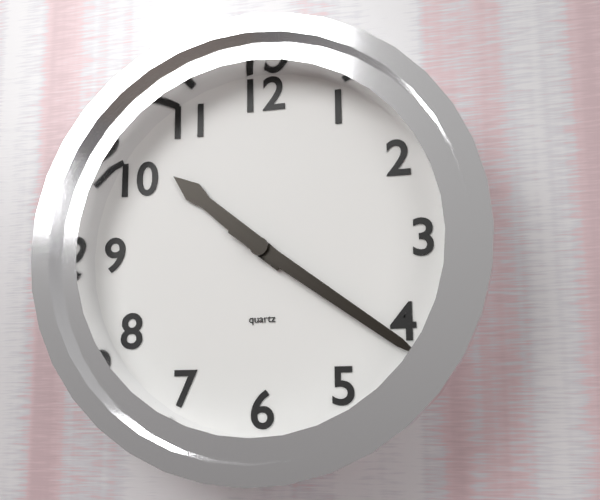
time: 10:21
